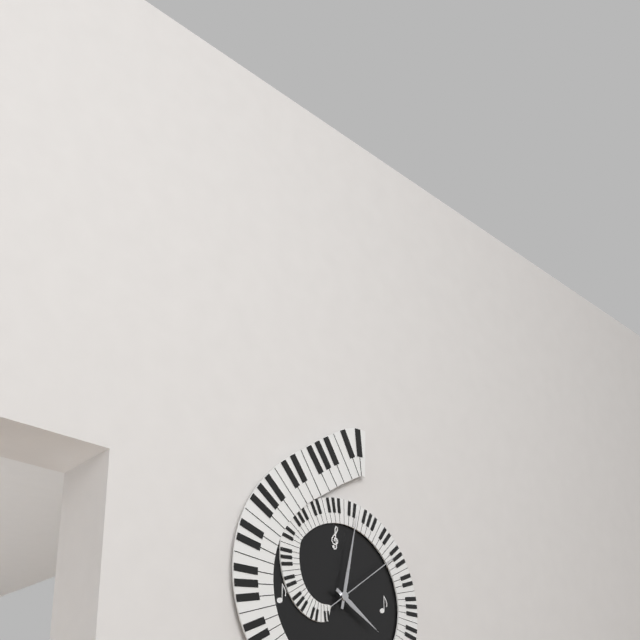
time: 4:02:09
